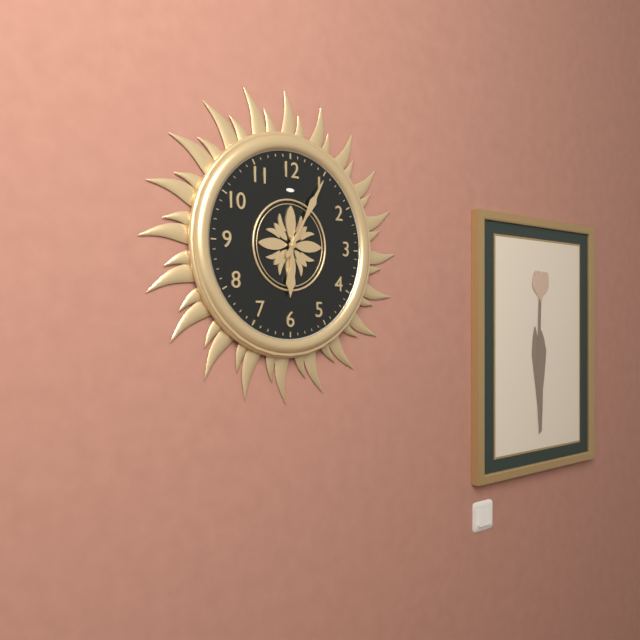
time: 6:05
